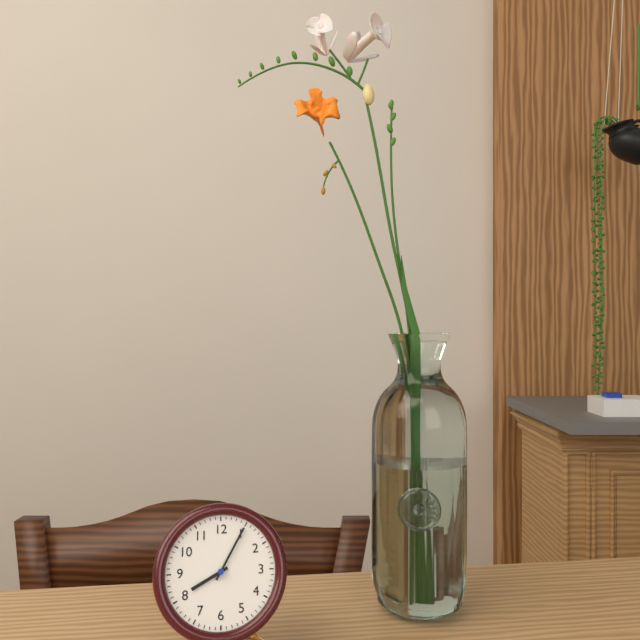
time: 8:05
